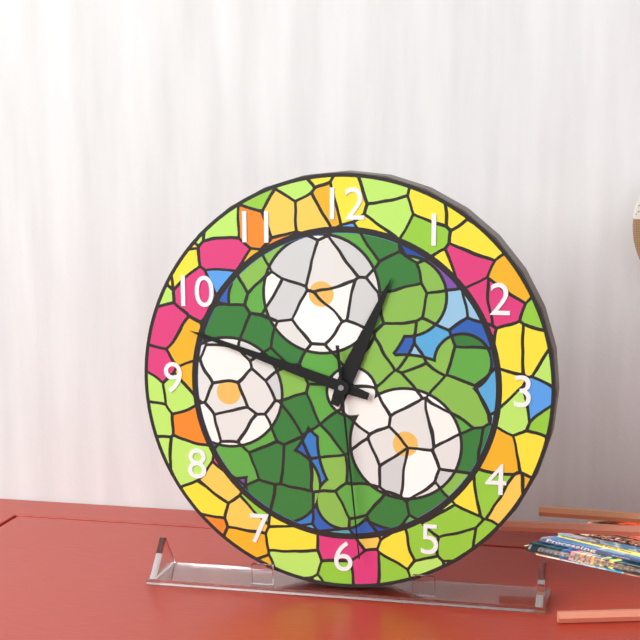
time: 12:48:29
